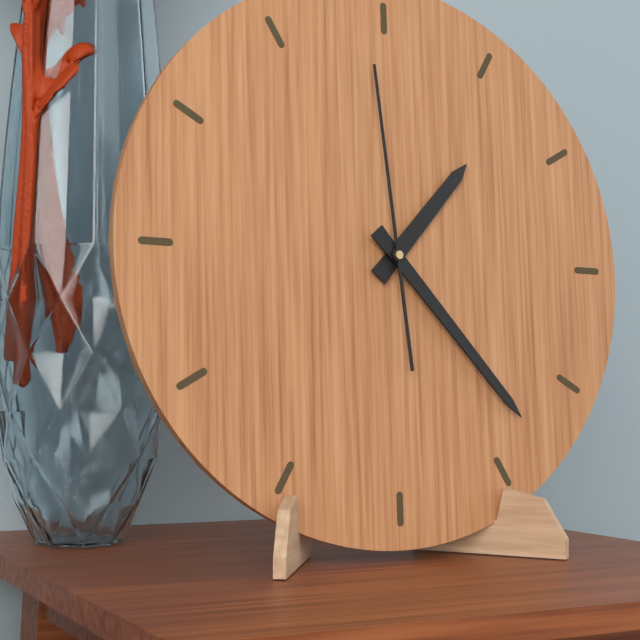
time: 1:23:59
